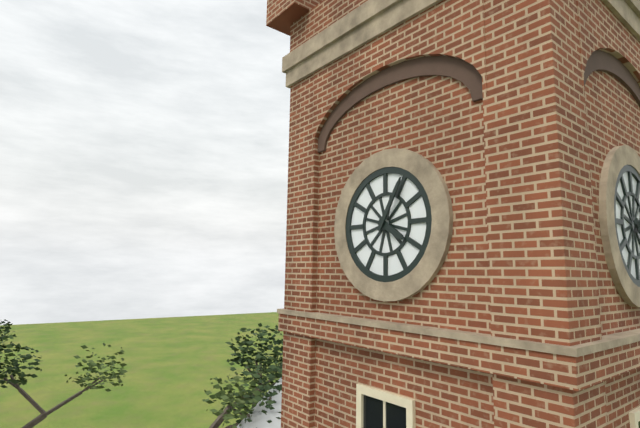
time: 4:05
